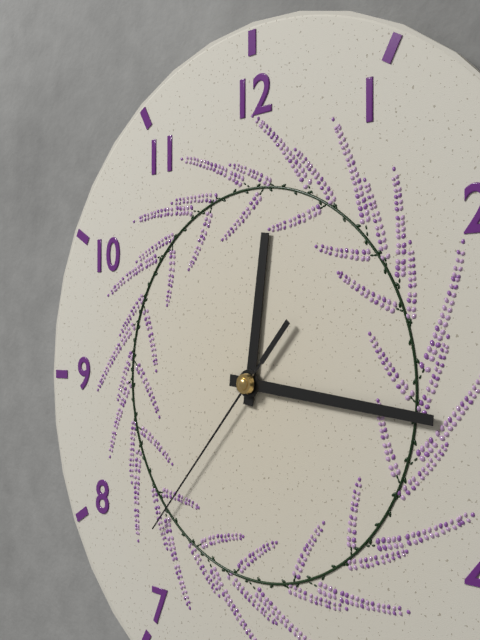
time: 12:16:37
